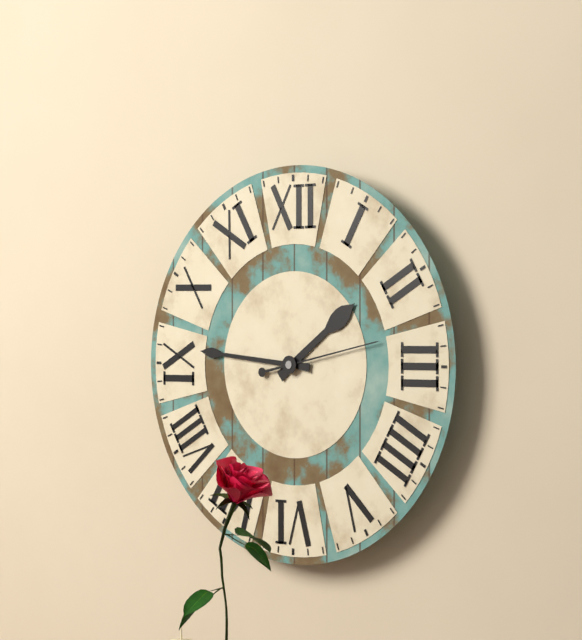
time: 1:46:13
